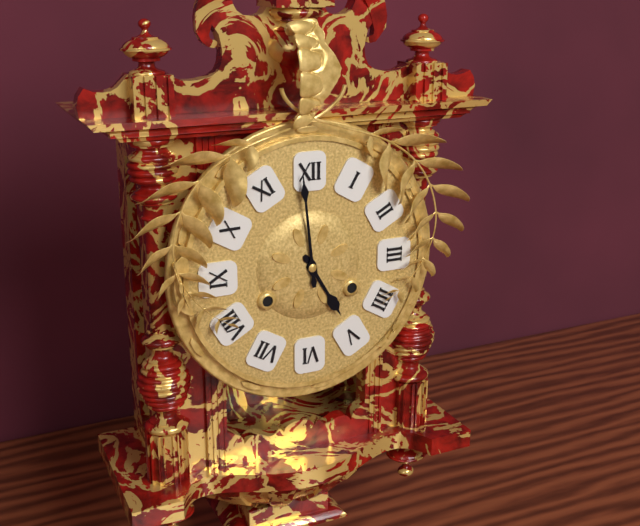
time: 4:59
